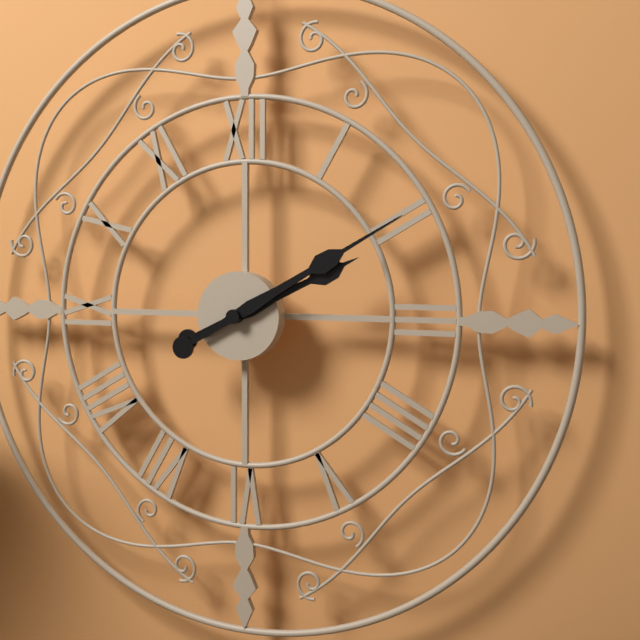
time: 2:10
